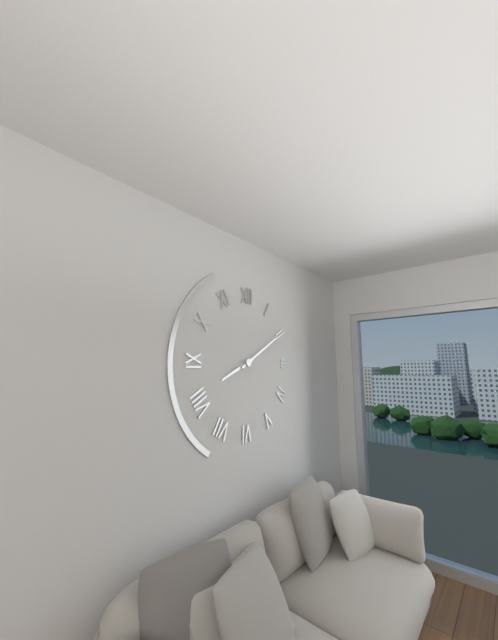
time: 8:10
